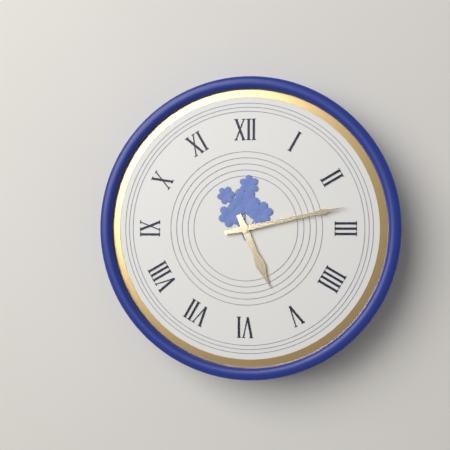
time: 5:13
